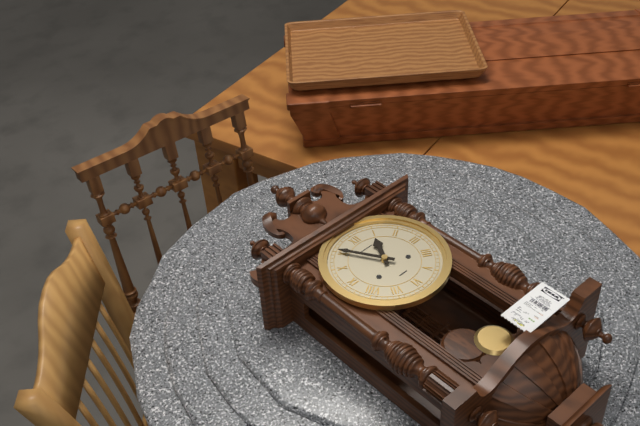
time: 12:55
